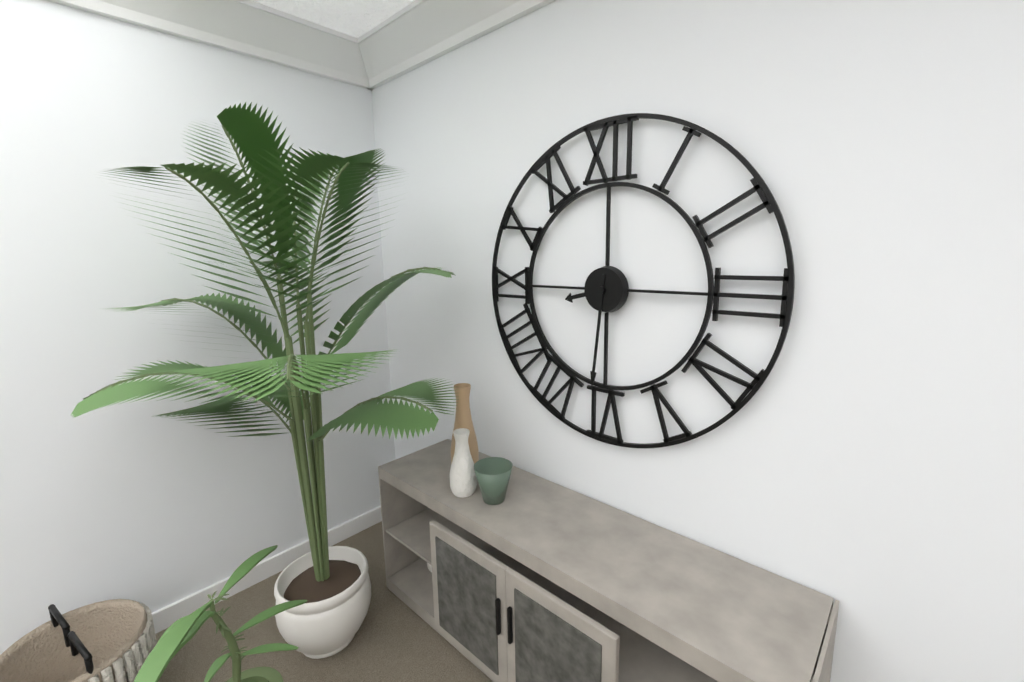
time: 8:31
